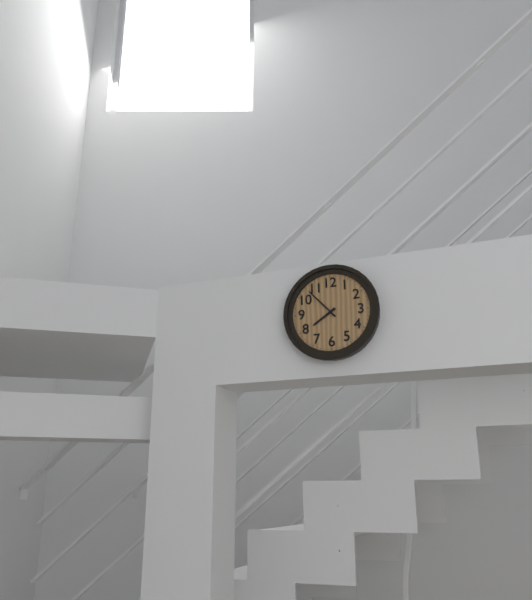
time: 7:53
